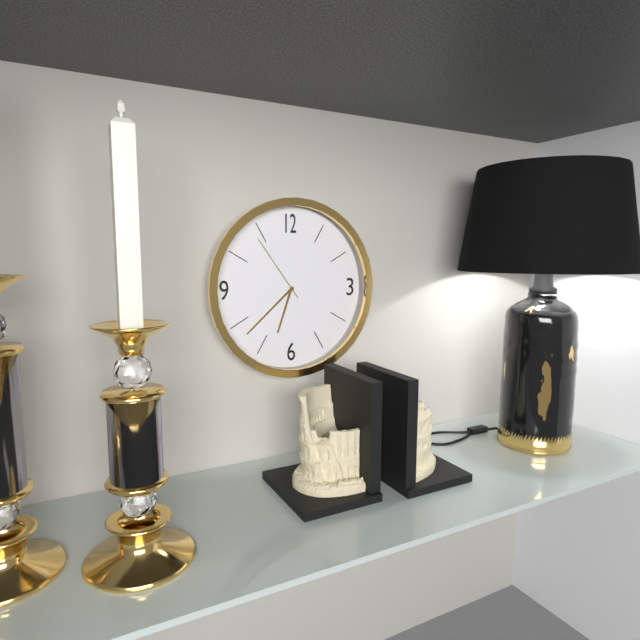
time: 6:38:54
